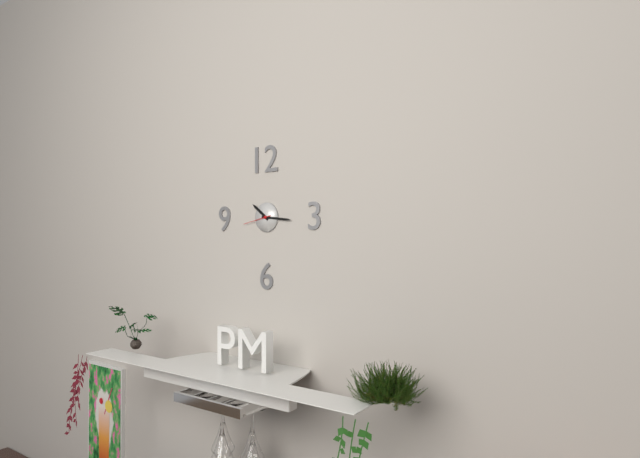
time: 10:16
